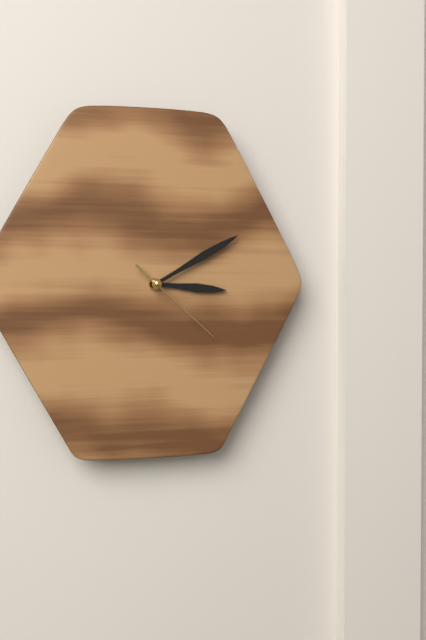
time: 3:10:22
